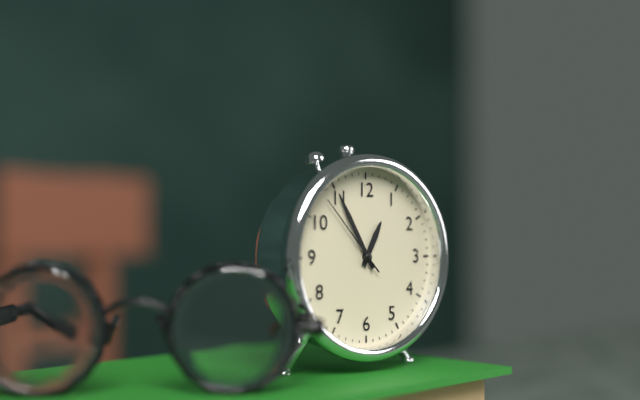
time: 12:55:53
